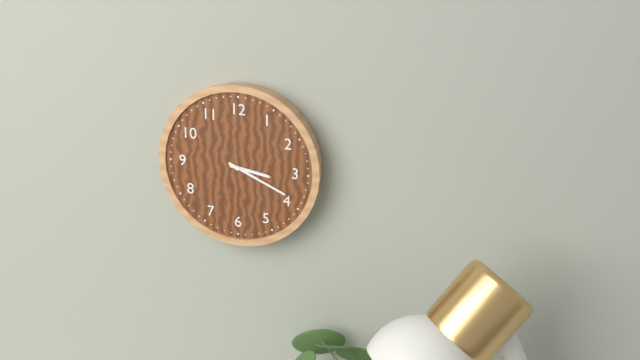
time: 3:19
